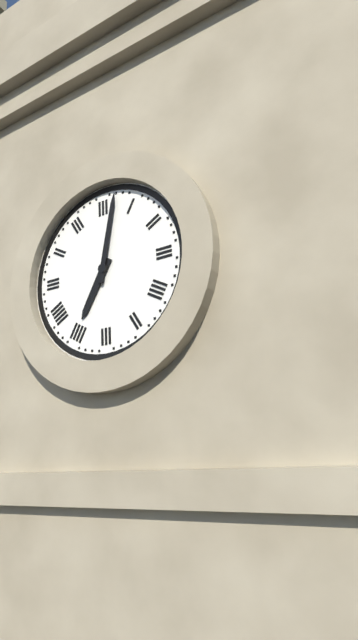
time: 7:02
